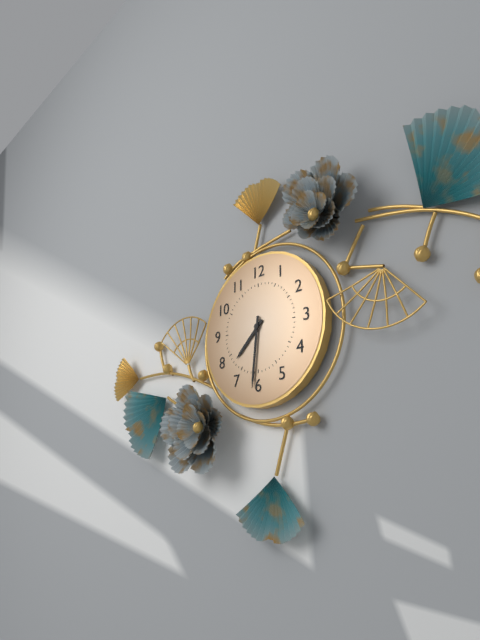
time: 7:31
